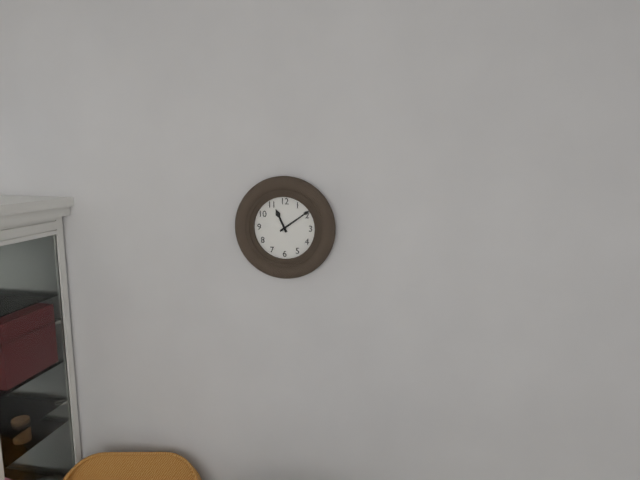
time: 11:09
